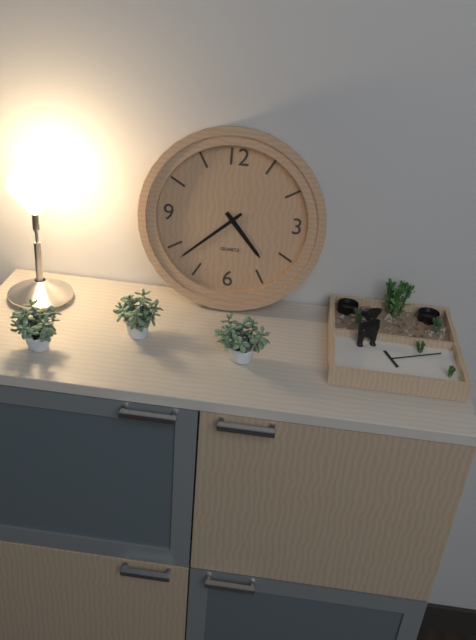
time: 4:38
